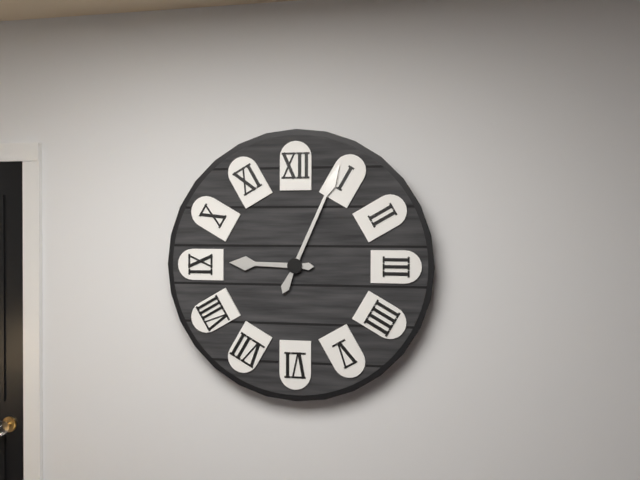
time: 9:04
